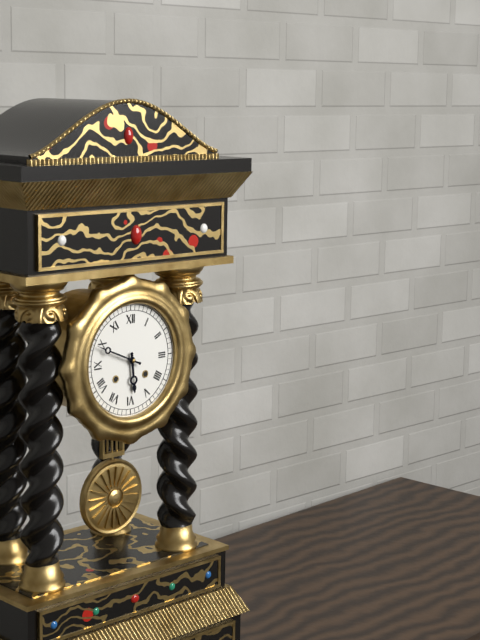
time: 5:49
